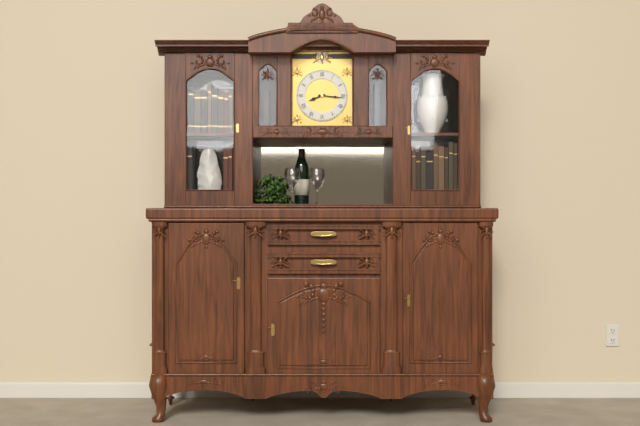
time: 8:16
